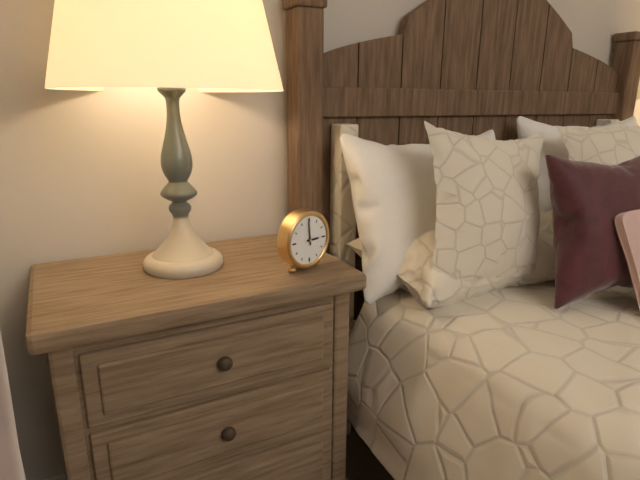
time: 2:59
